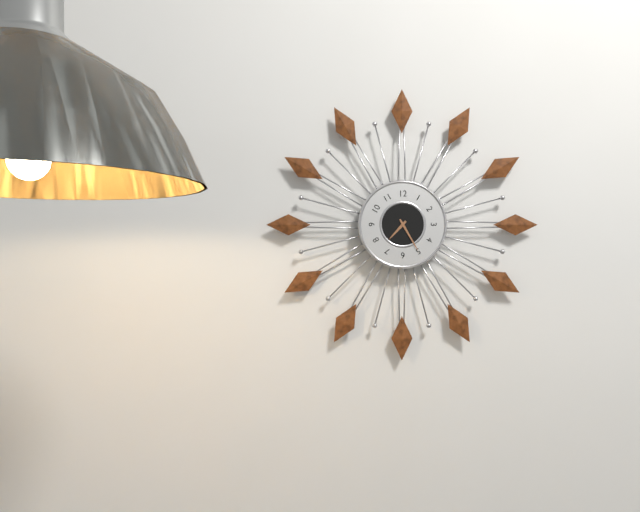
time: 7:25
